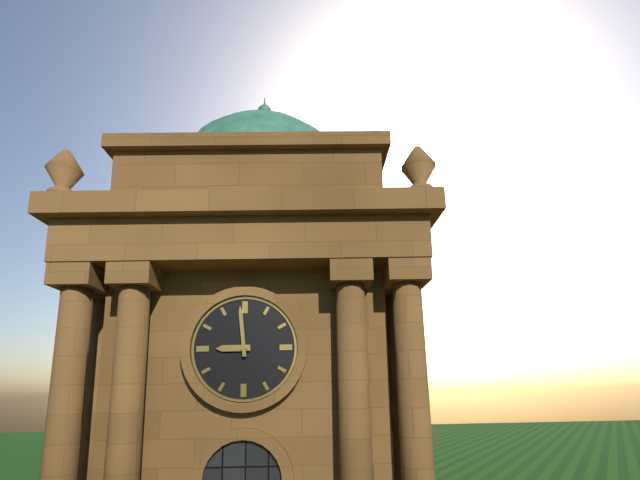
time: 8:59
